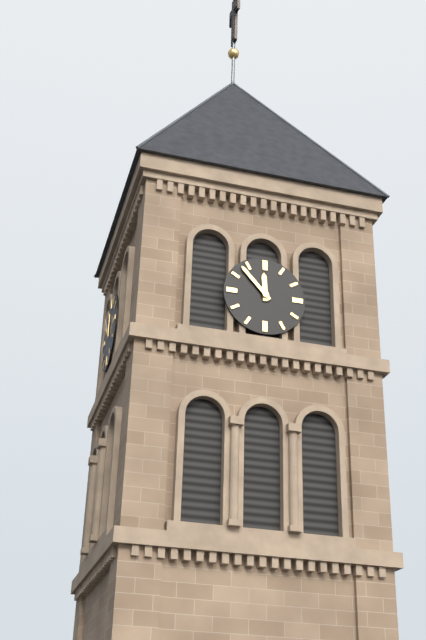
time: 11:53
